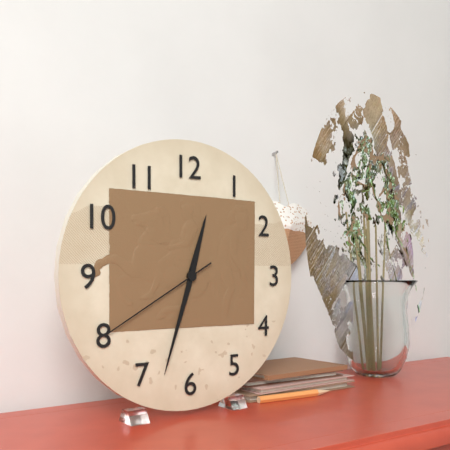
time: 12:33:40
